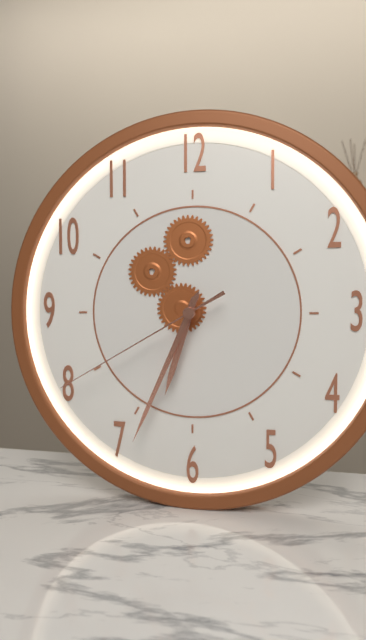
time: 6:34:40
